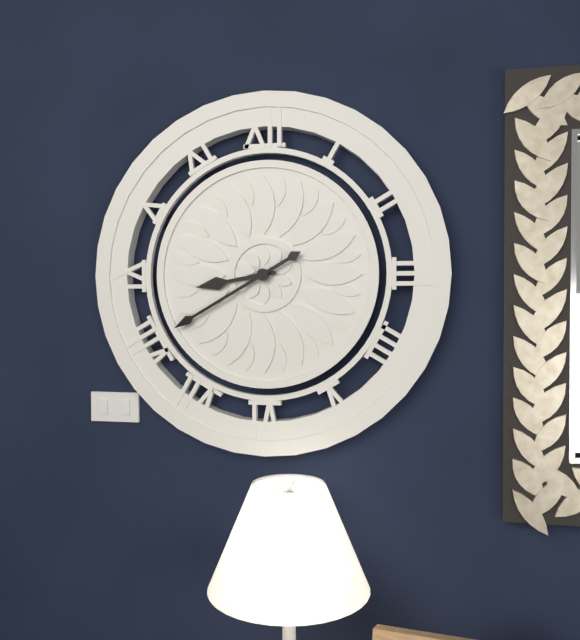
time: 8:40
